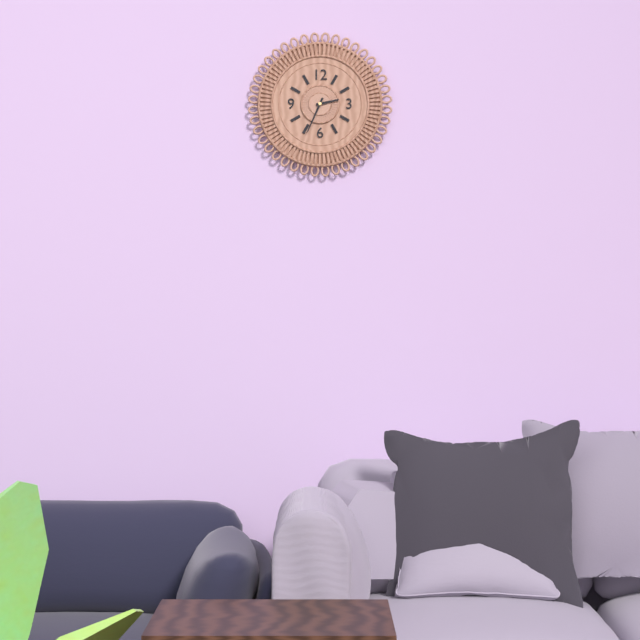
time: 2:34
